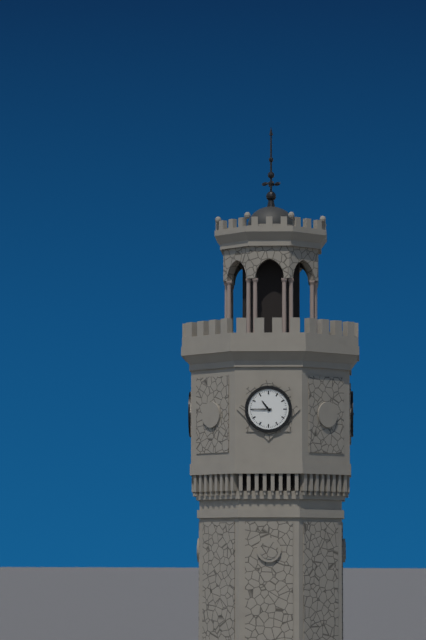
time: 10:45
